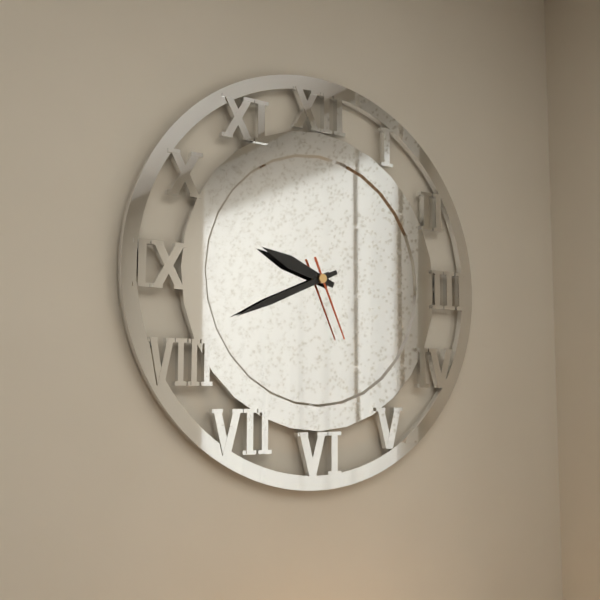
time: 9:41:26
